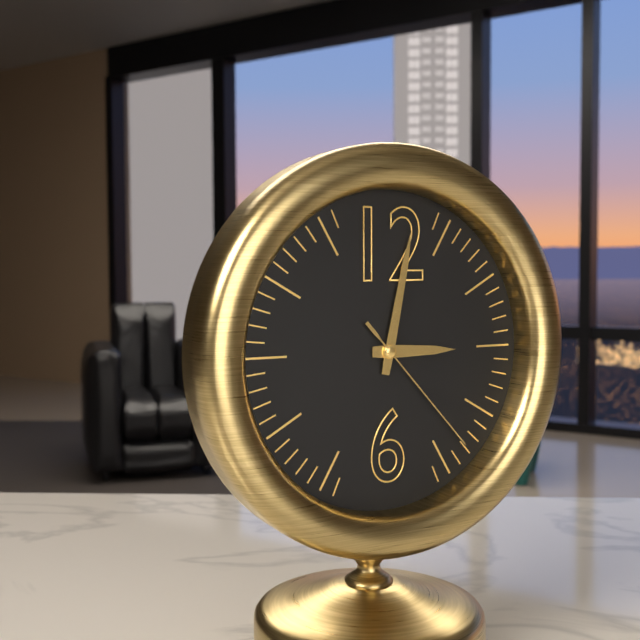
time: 3:02:23
